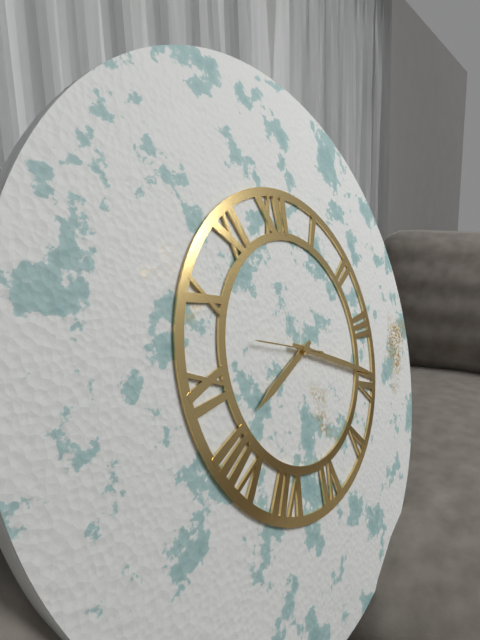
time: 8:19:48
